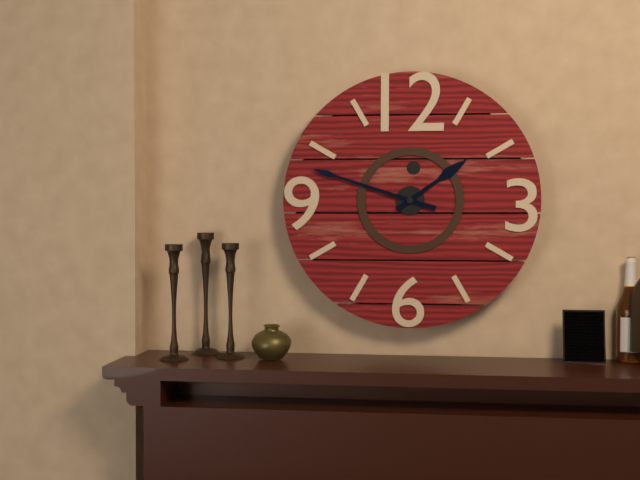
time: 1:48
